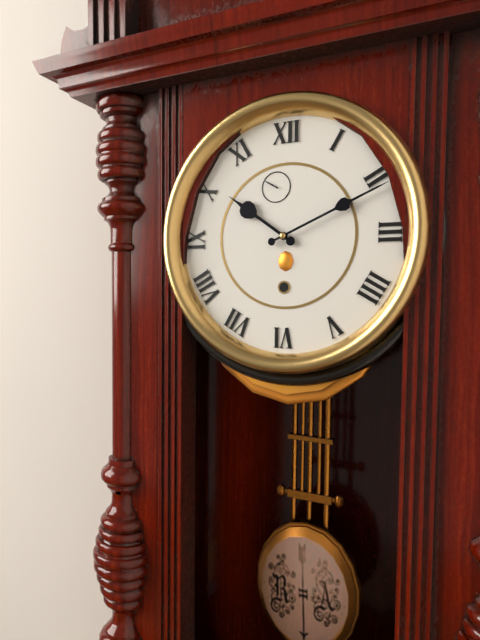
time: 10:11
